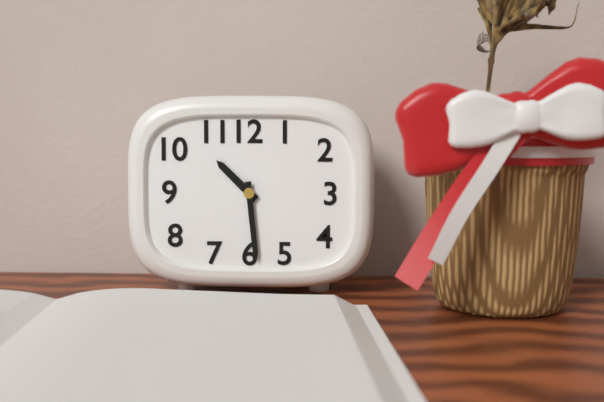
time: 10:29
